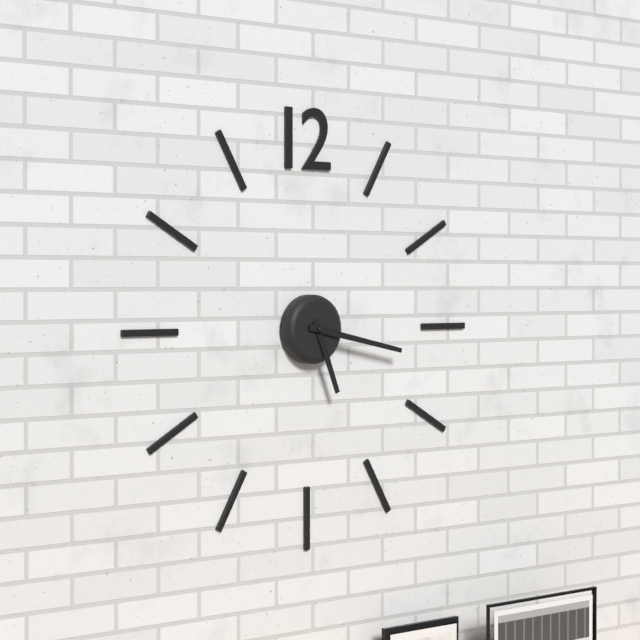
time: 5:17
